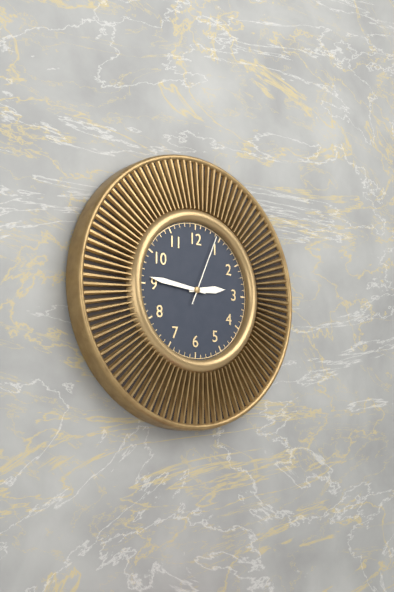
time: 2:46:04
